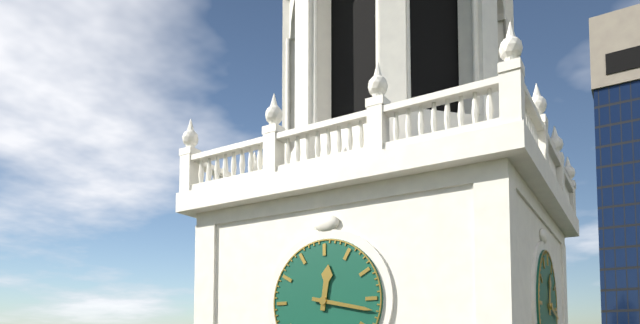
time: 12:17
